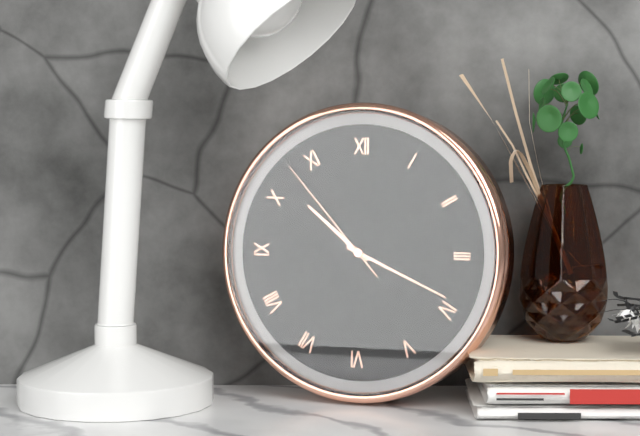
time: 10:19:53
